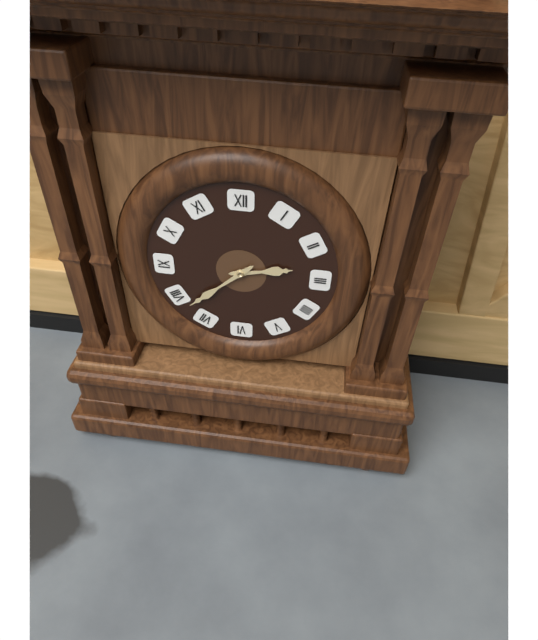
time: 2:38
